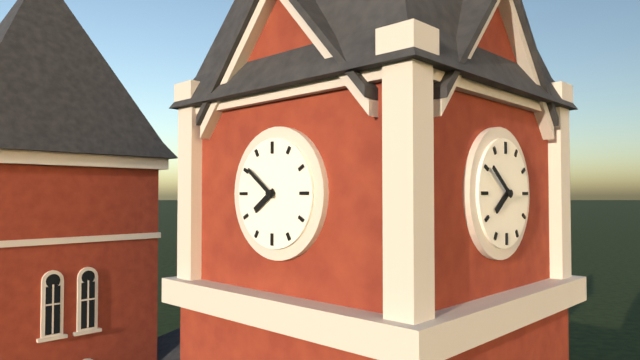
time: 7:51
